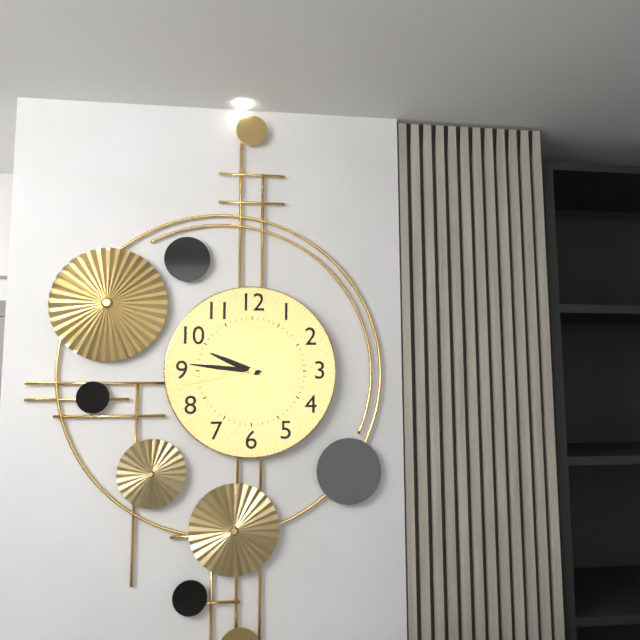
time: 9:46:43
